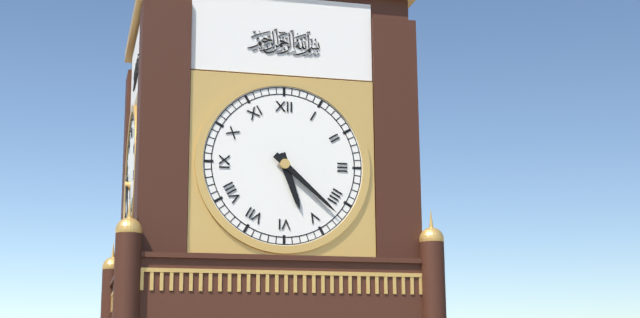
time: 5:22
